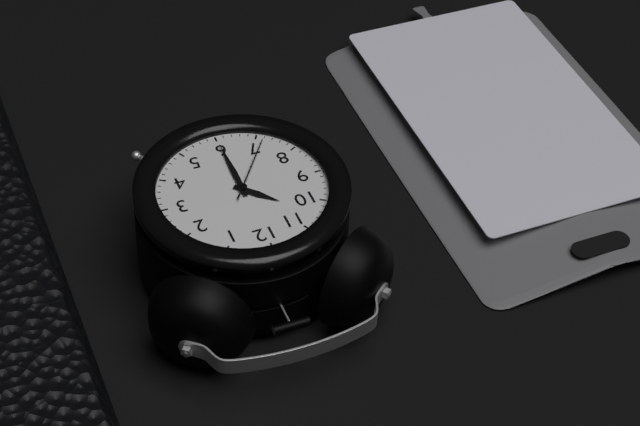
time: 10:30:36
